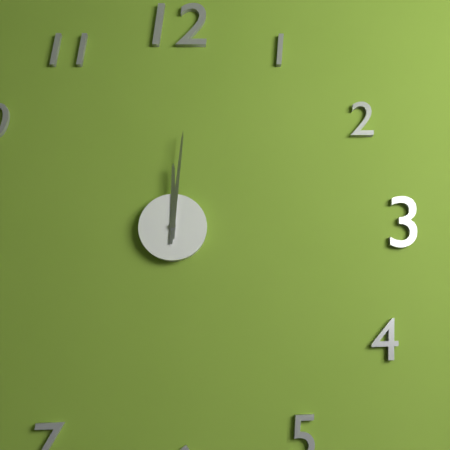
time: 12:01
